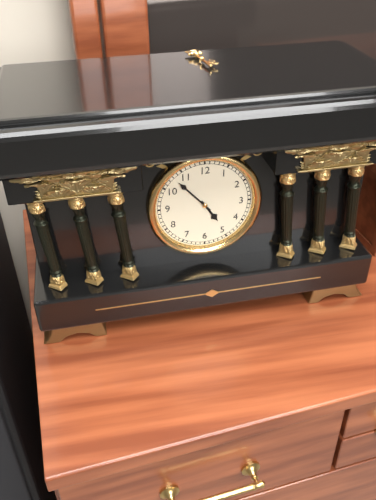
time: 4:53
